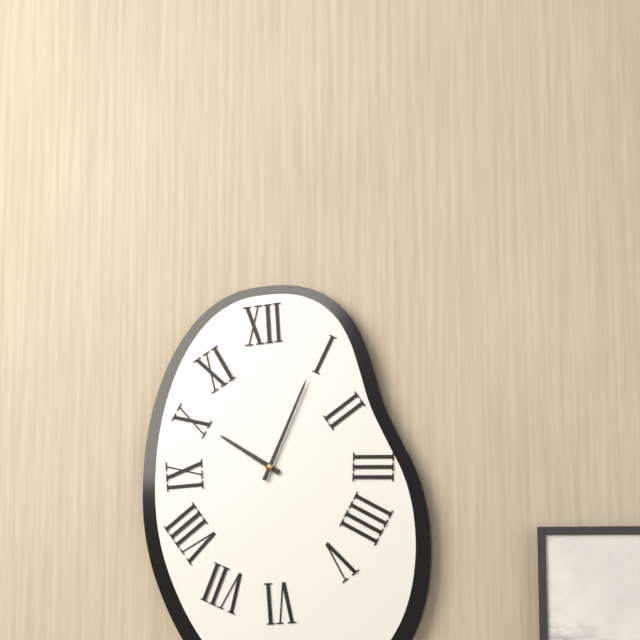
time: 10:04
